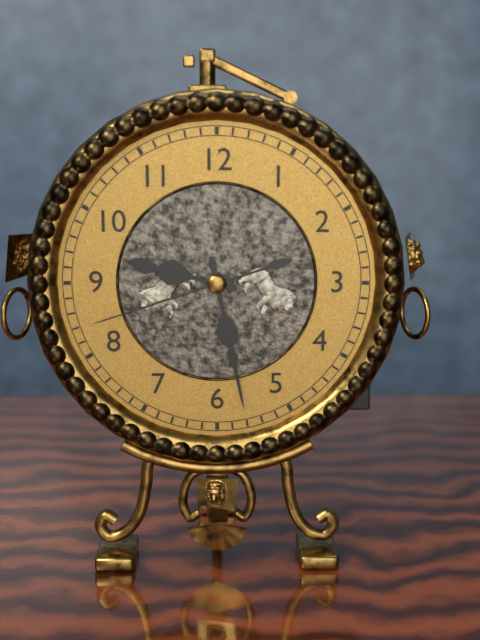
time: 9:28:42
